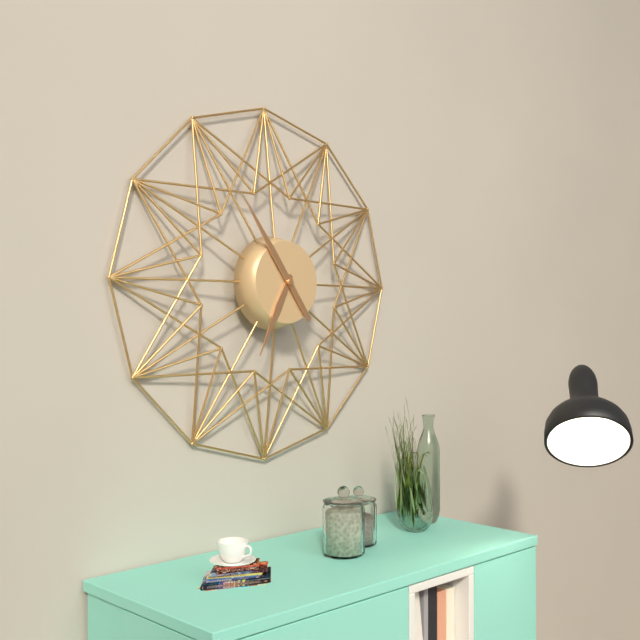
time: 6:54
